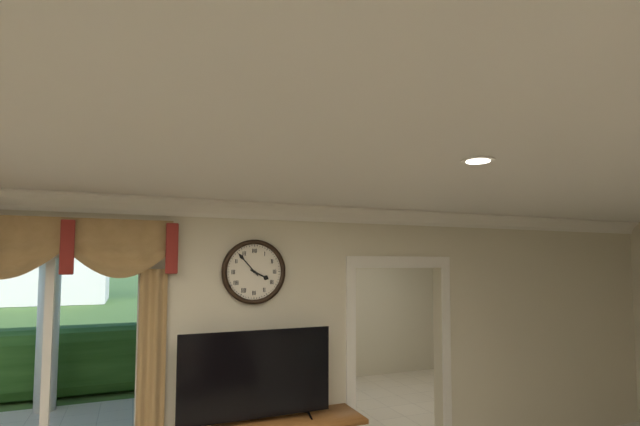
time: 3:53
